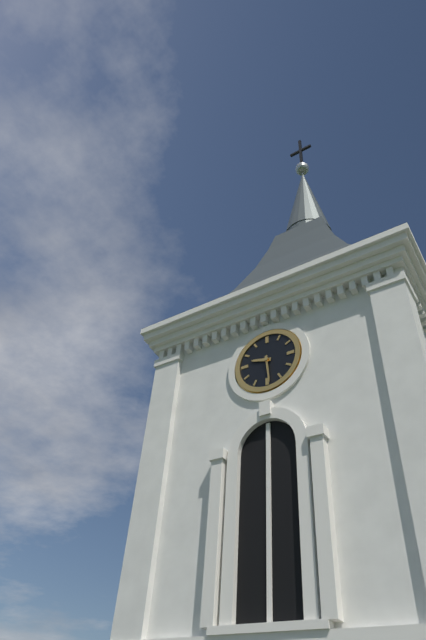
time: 9:29
